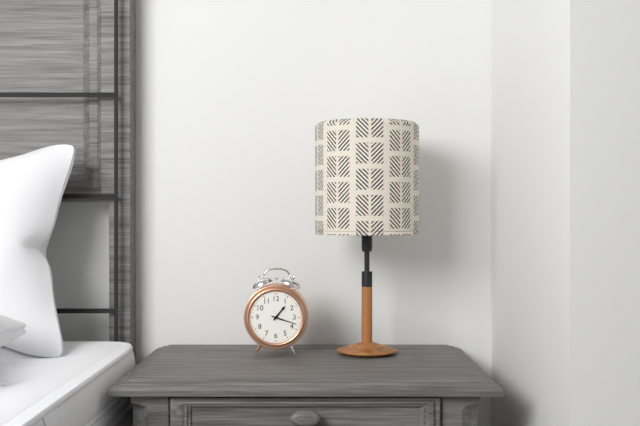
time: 1:18
